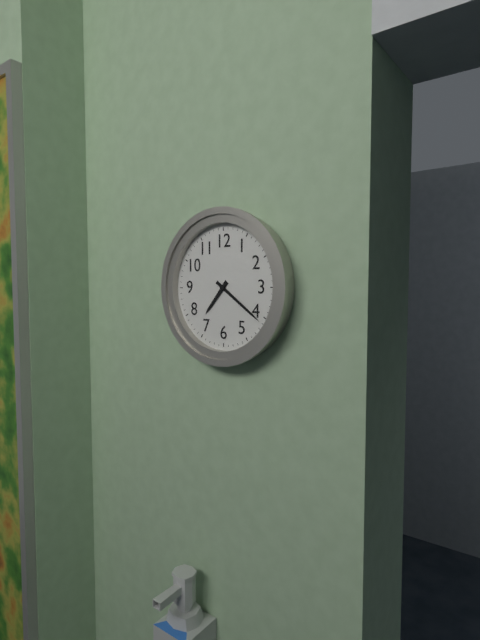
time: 7:21
